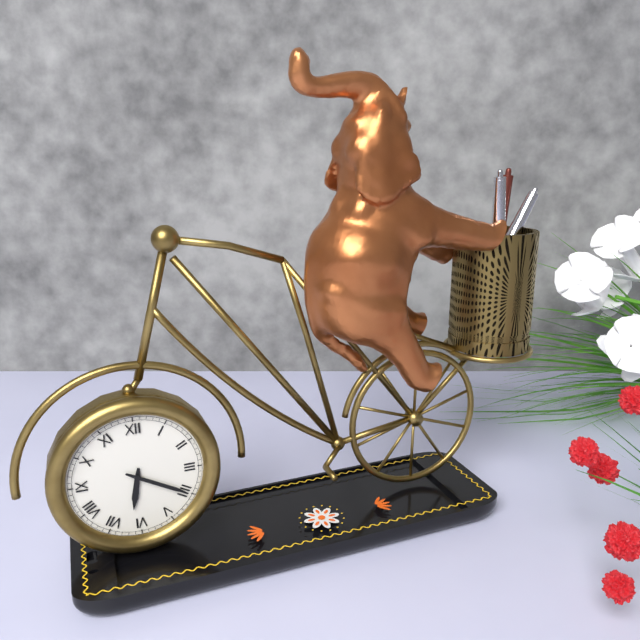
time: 6:20
